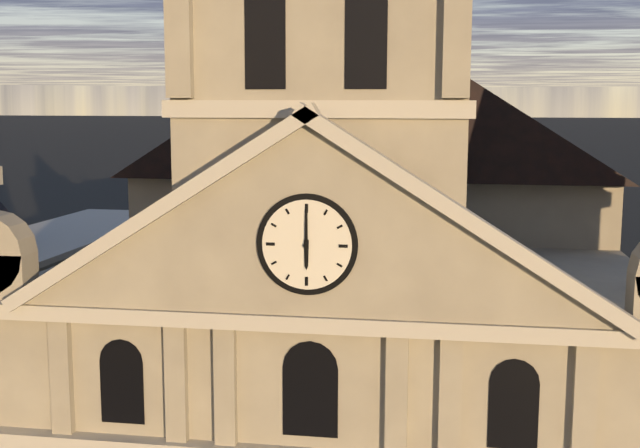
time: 6:00
